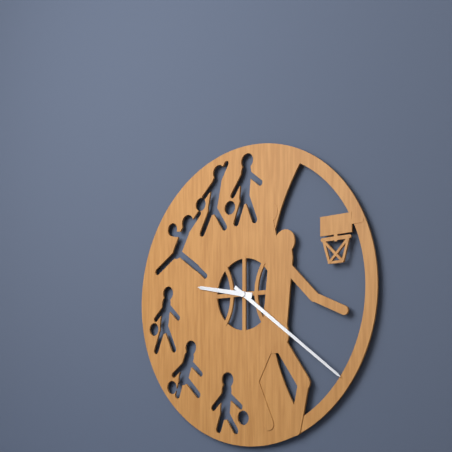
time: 9:21
